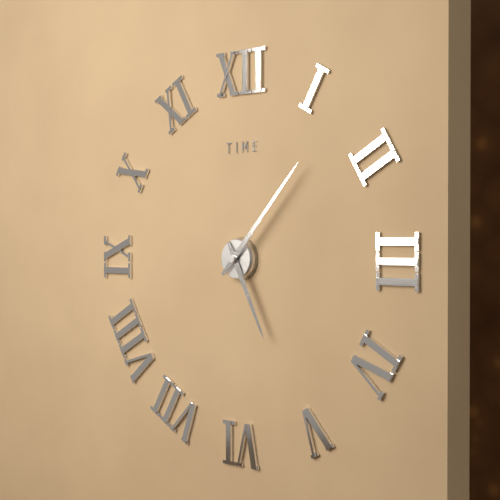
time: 5:07
